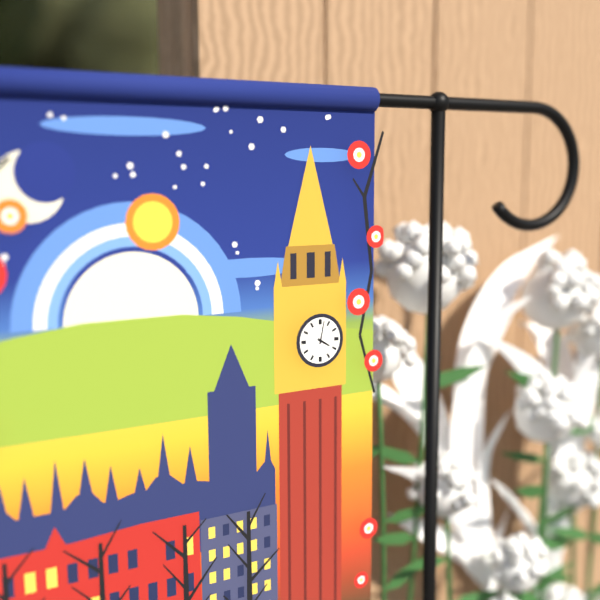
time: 4:02
